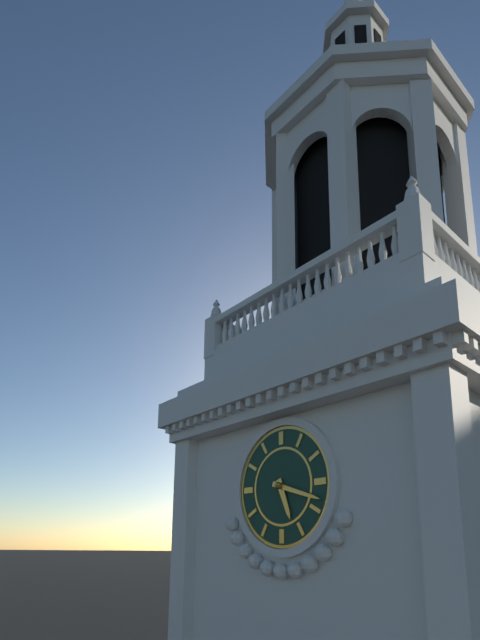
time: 5:18
